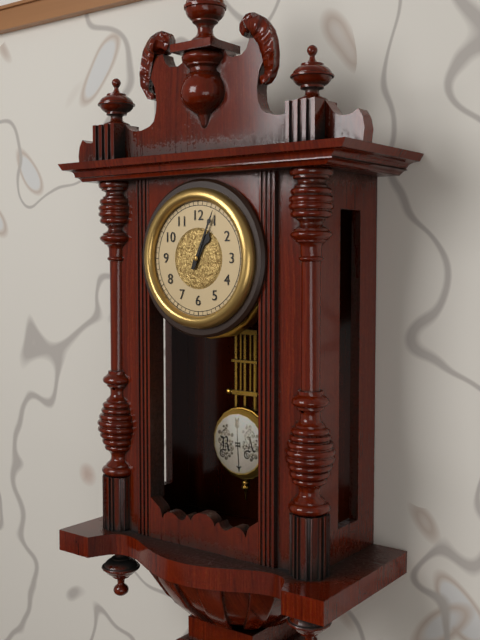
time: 1:04
